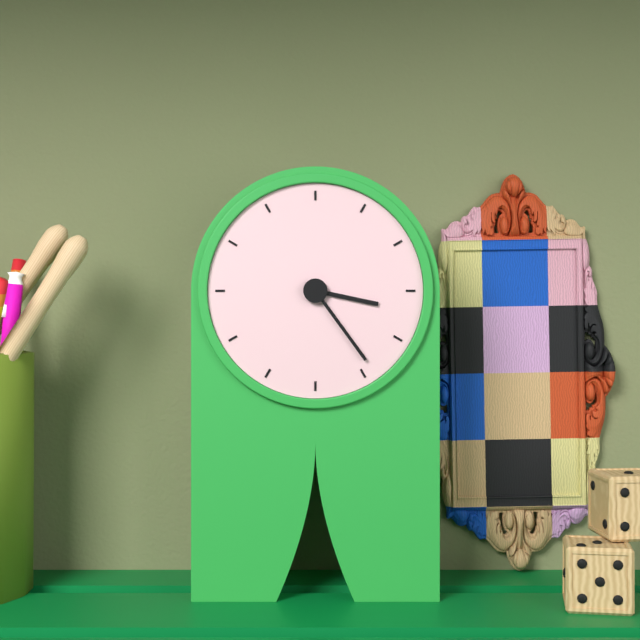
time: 3:24
